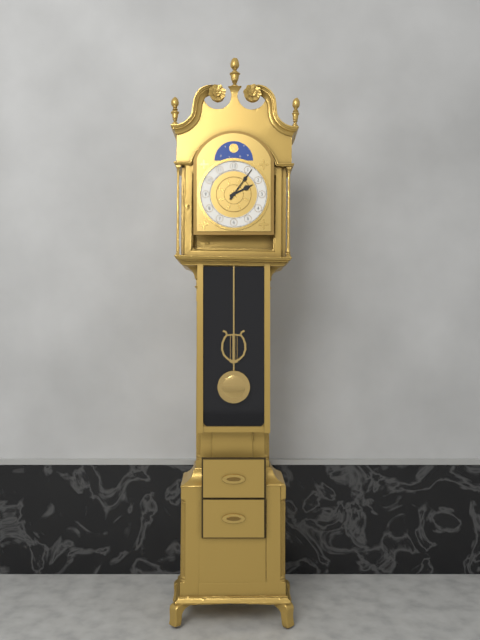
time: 2:06
